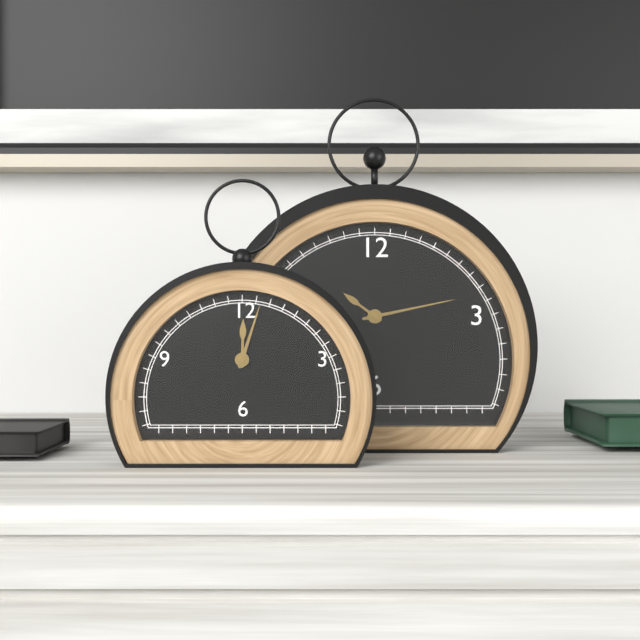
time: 12:03
